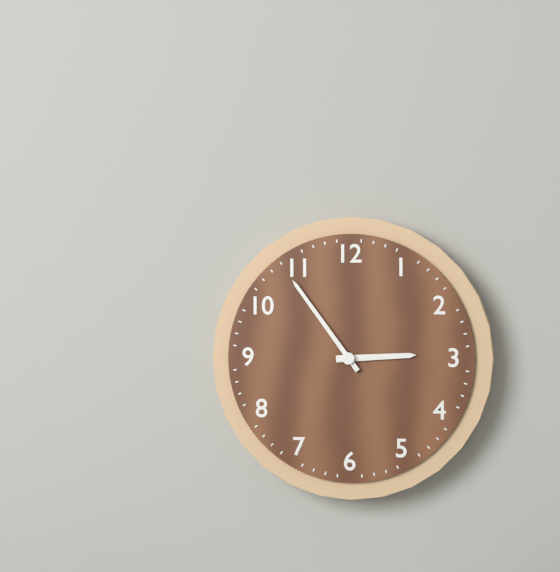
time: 2:54
